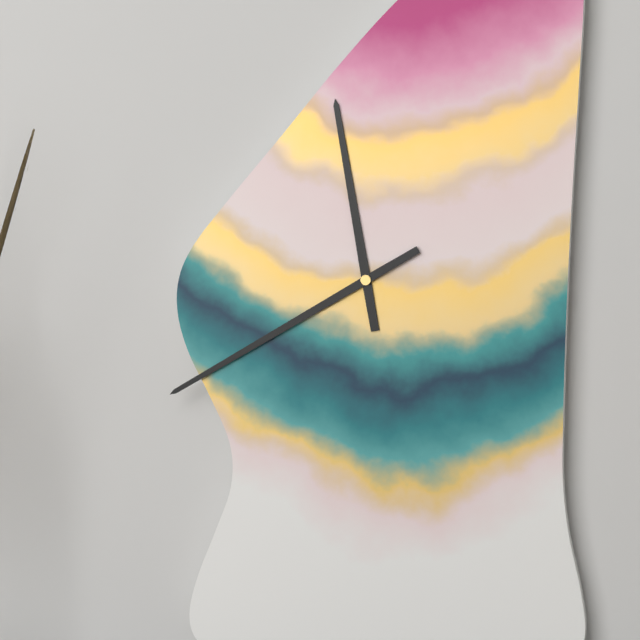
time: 11:40
